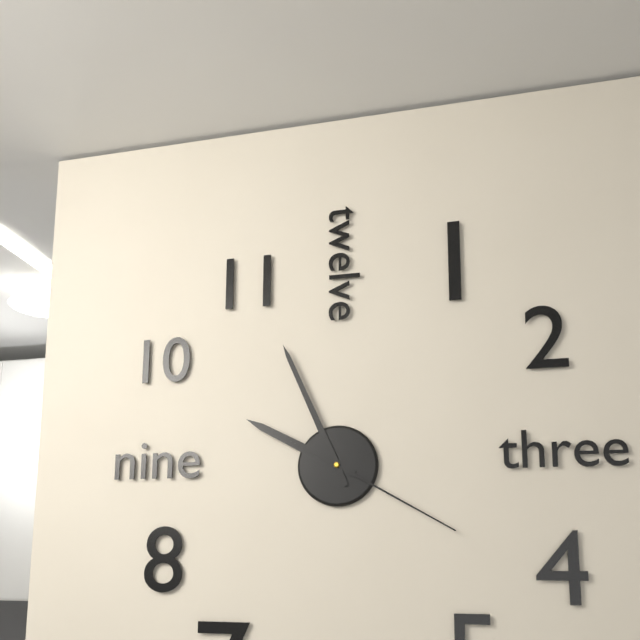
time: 9:56:20
